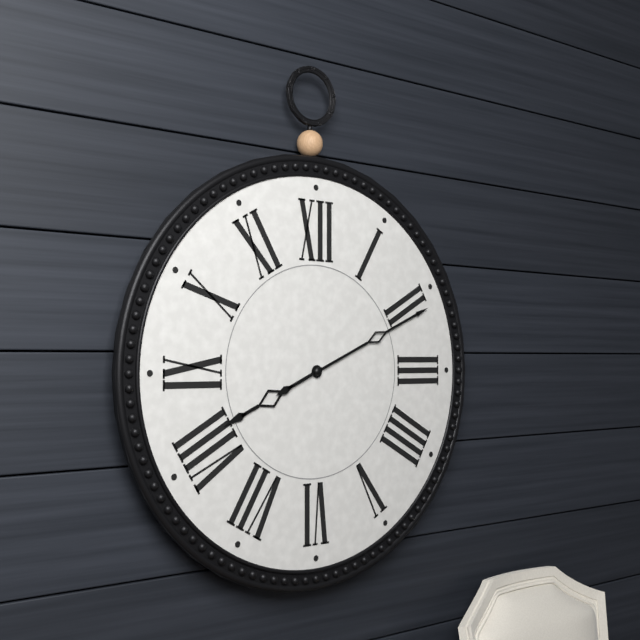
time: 8:11
